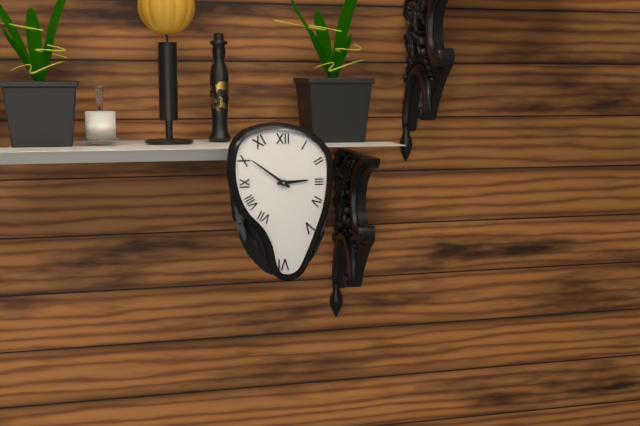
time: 2:51
